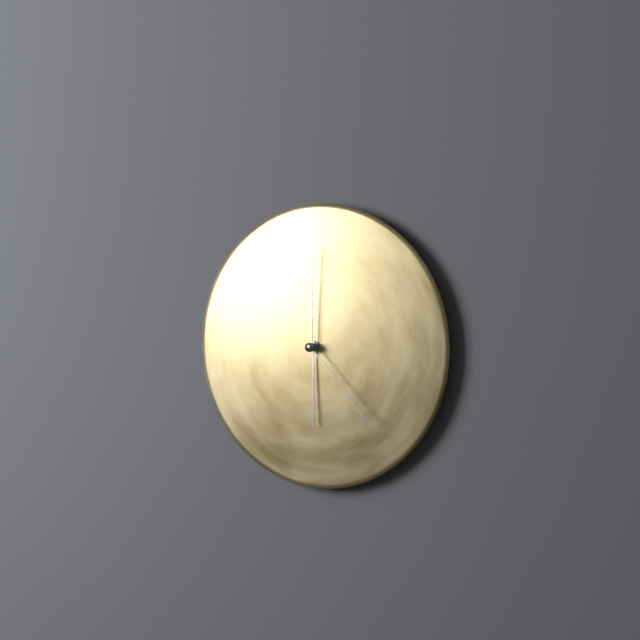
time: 6:00:23
